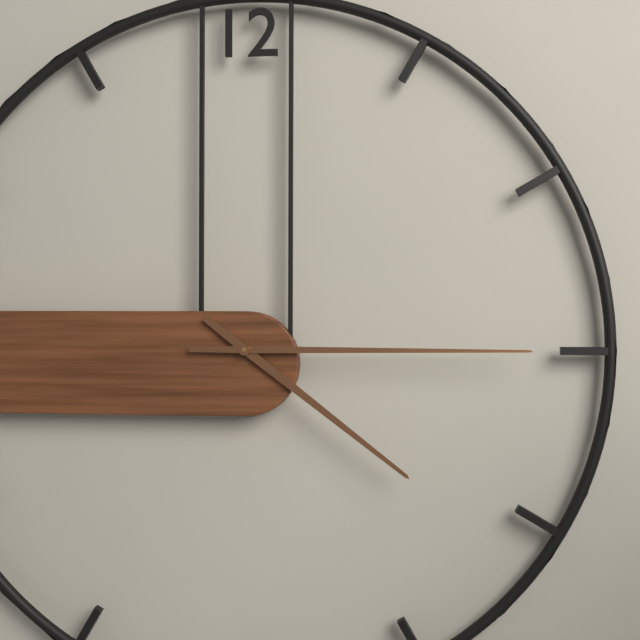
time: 4:15
